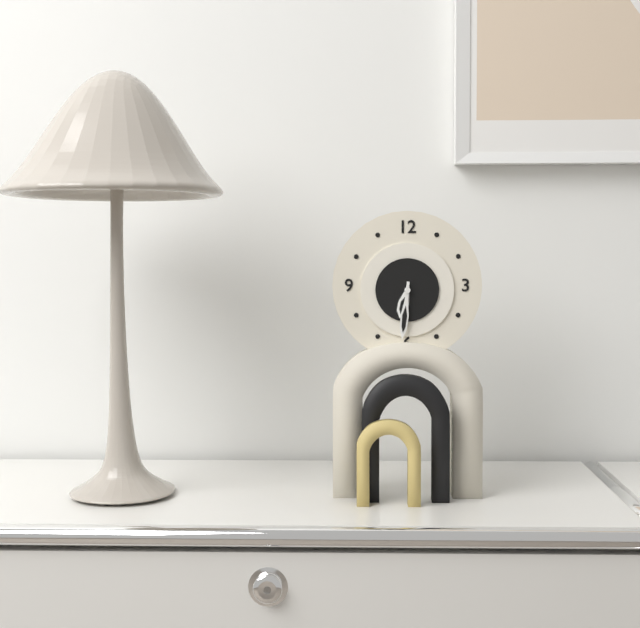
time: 6:31
